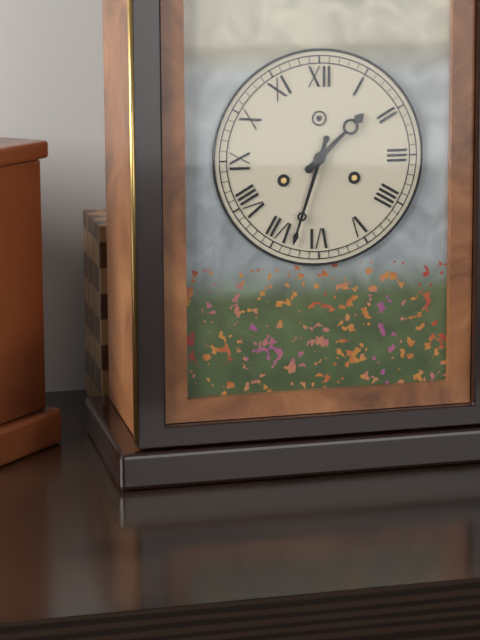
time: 1:33
